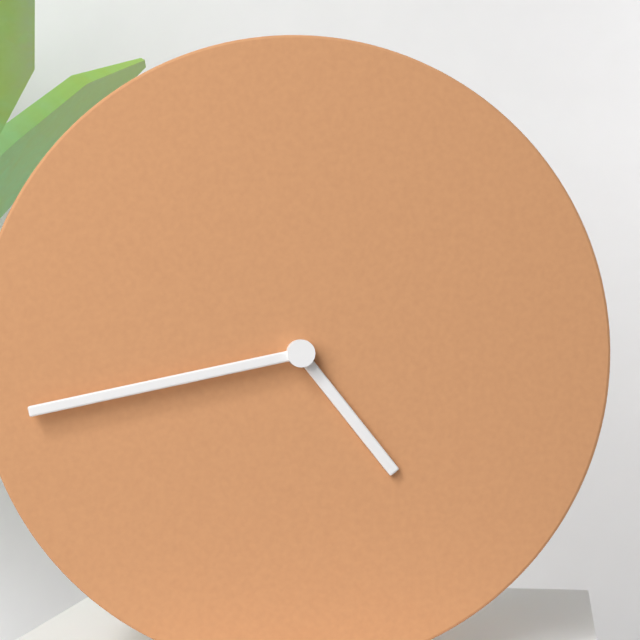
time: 4:43
